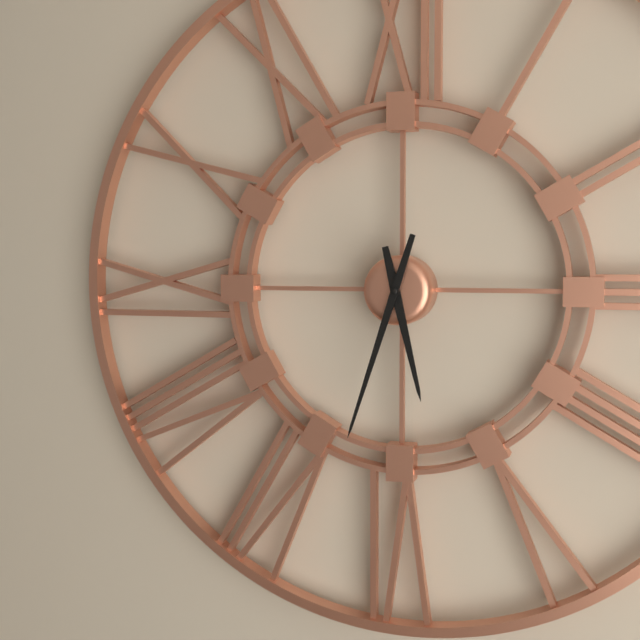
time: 5:33
